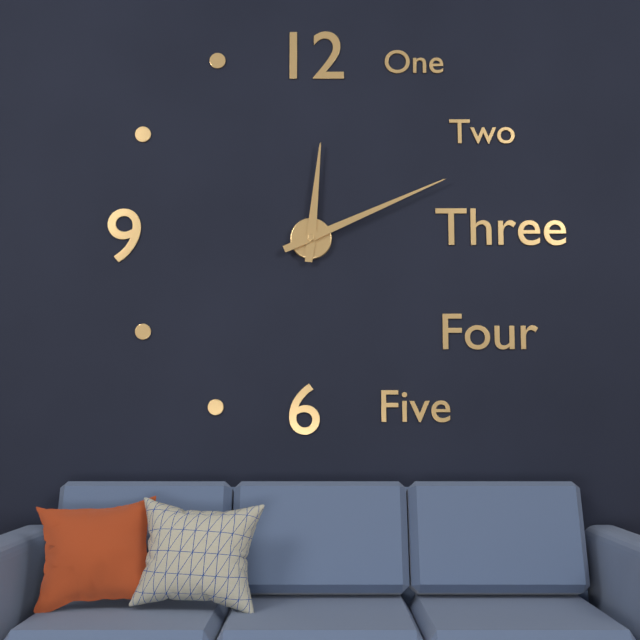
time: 12:11
